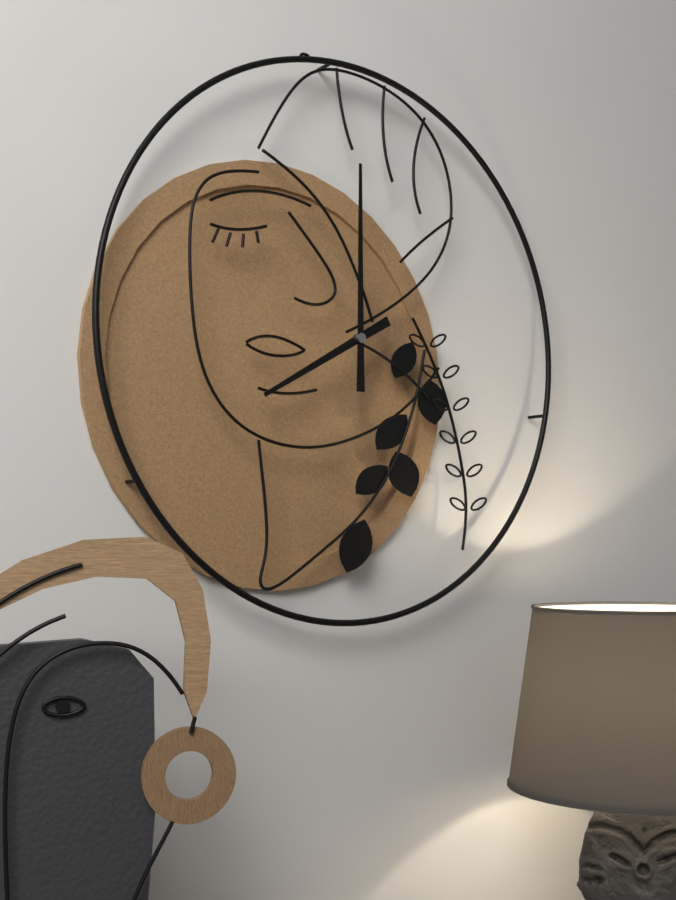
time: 8:00
